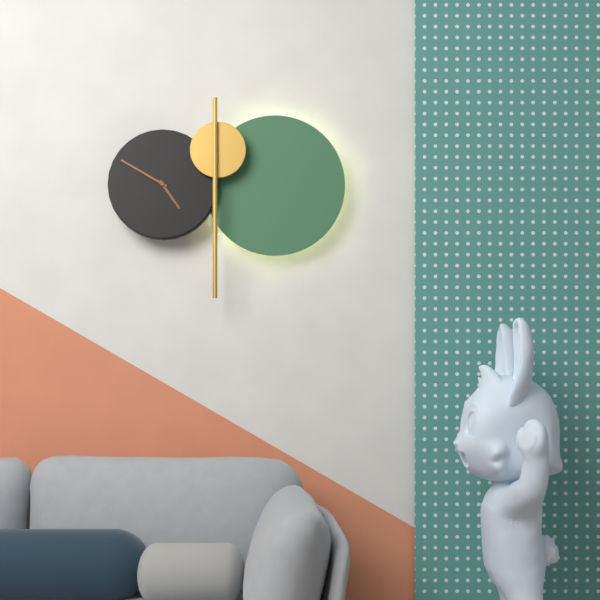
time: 4:50
